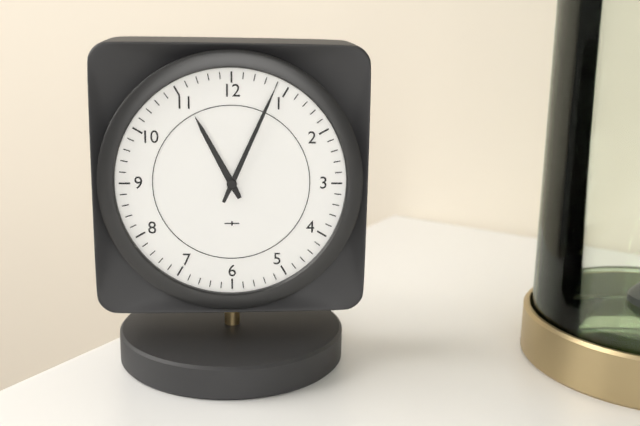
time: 11:04
